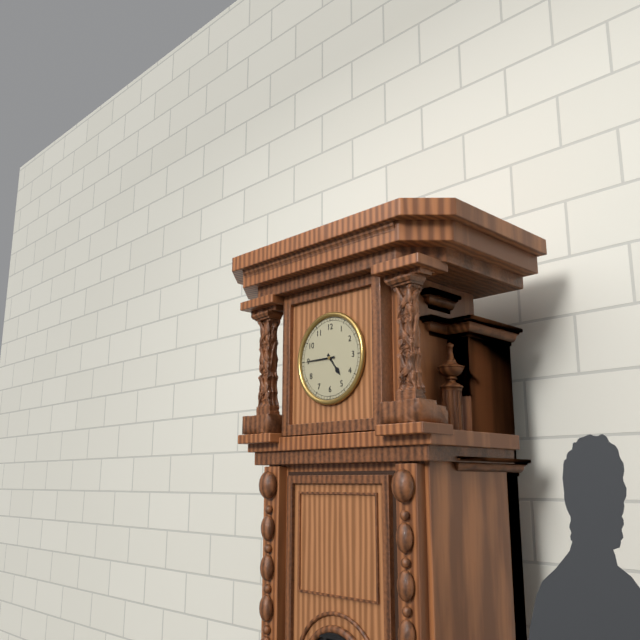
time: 4:45
